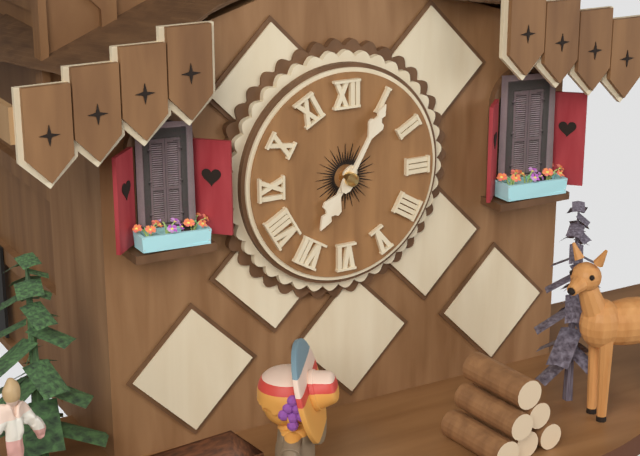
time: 7:05
